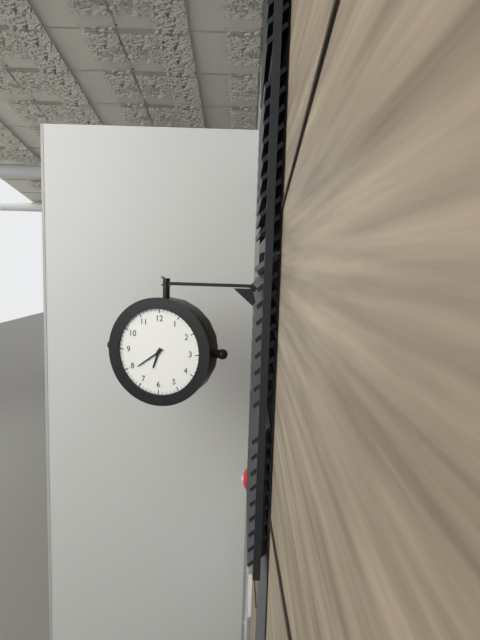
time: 6:39
